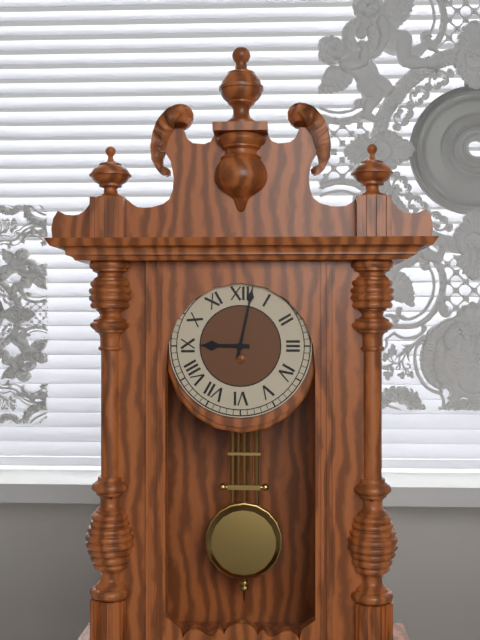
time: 9:02
